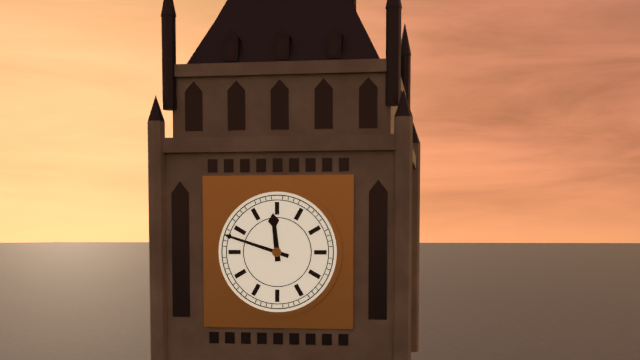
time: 11:48
